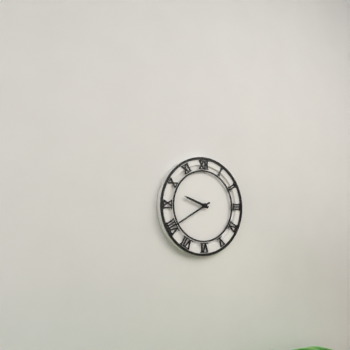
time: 9:40
